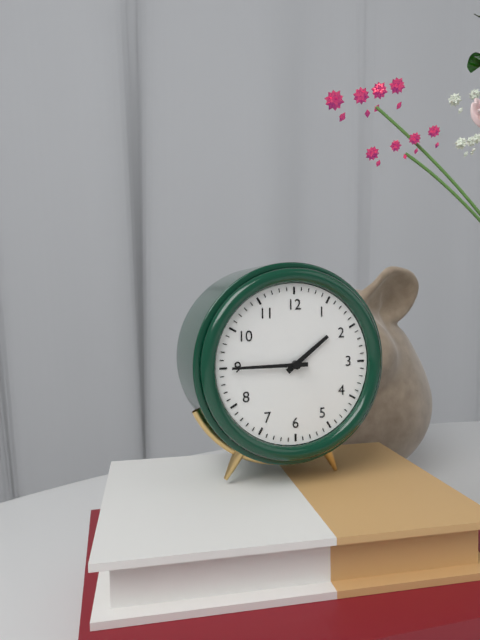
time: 1:45
